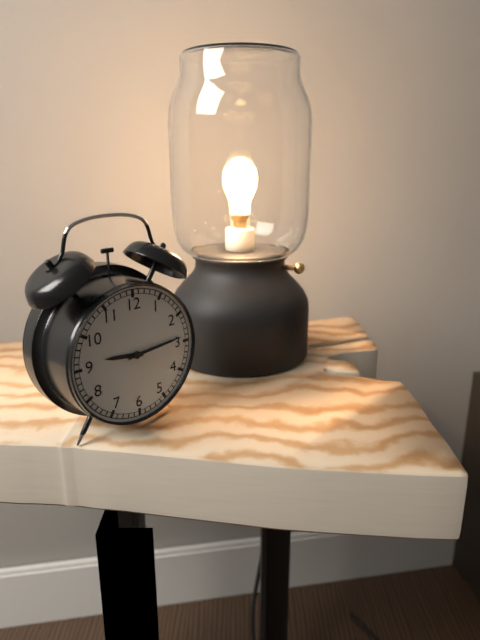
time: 9:14
